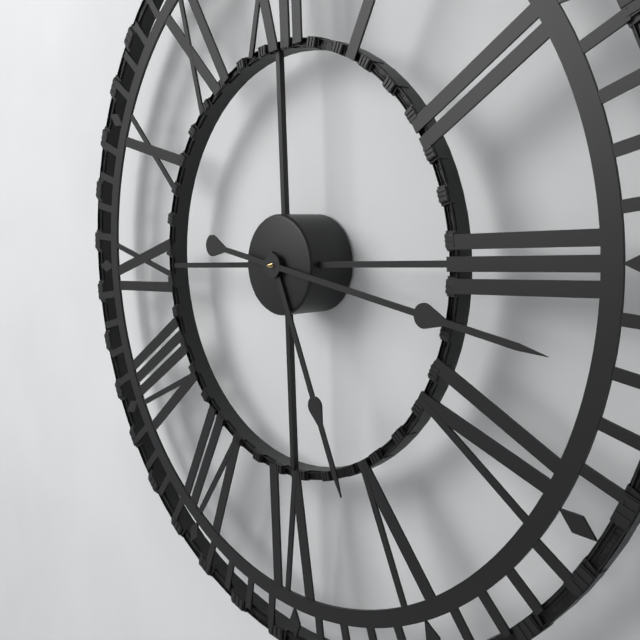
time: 5:17
